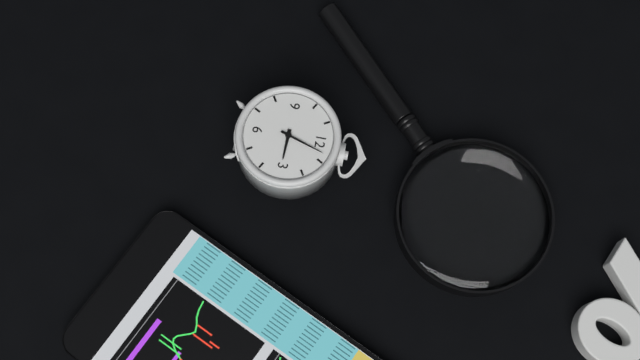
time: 3:03
